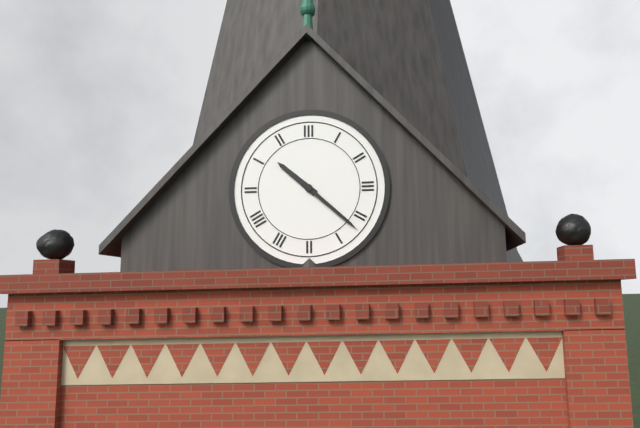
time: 10:22
